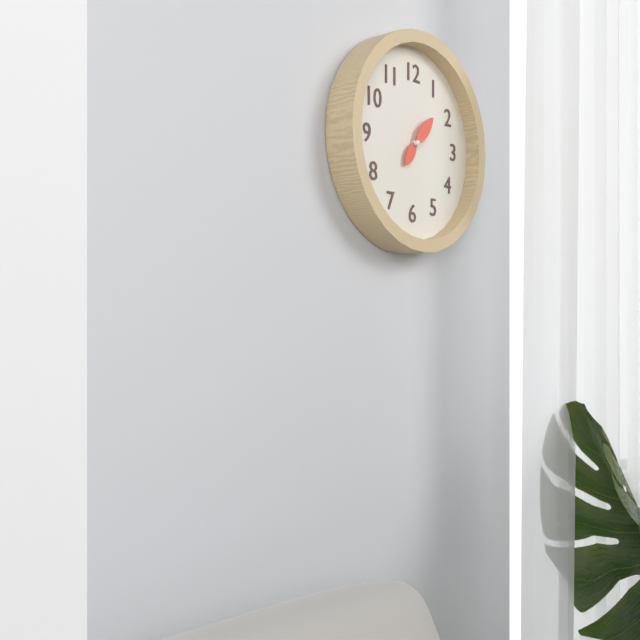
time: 7:07
